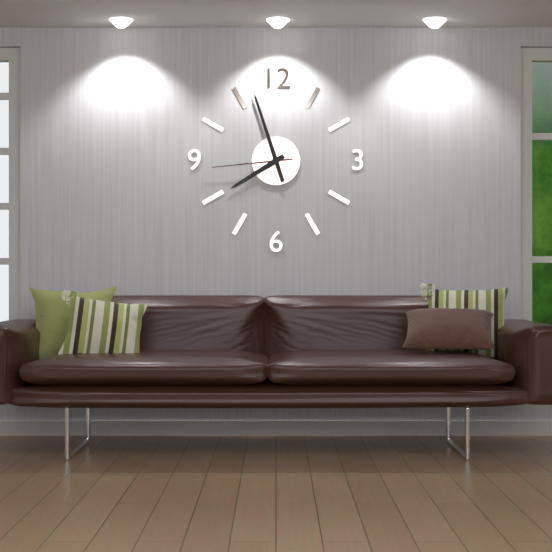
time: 7:57:44
